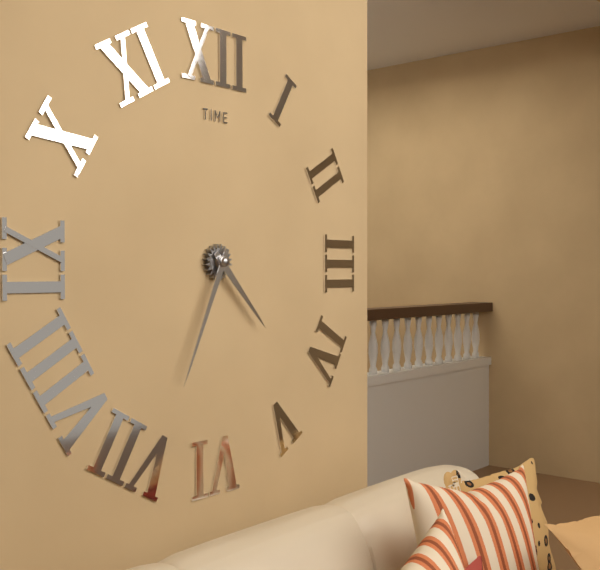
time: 4:34
